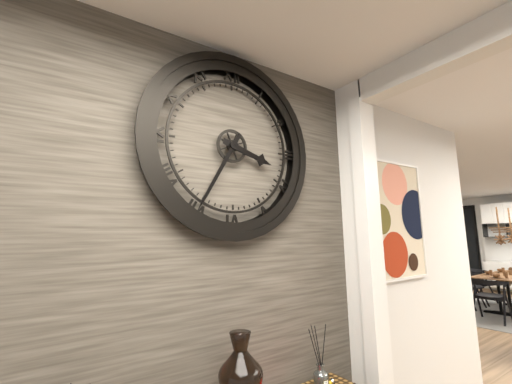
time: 3:35
